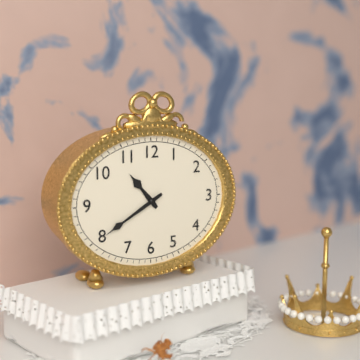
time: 10:40
